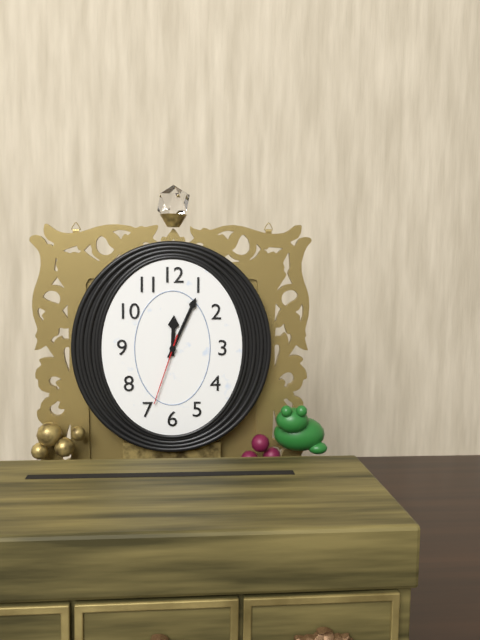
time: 12:04:33
